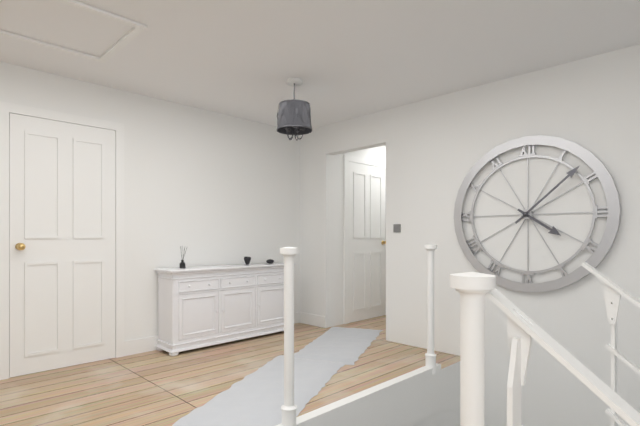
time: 4:08
